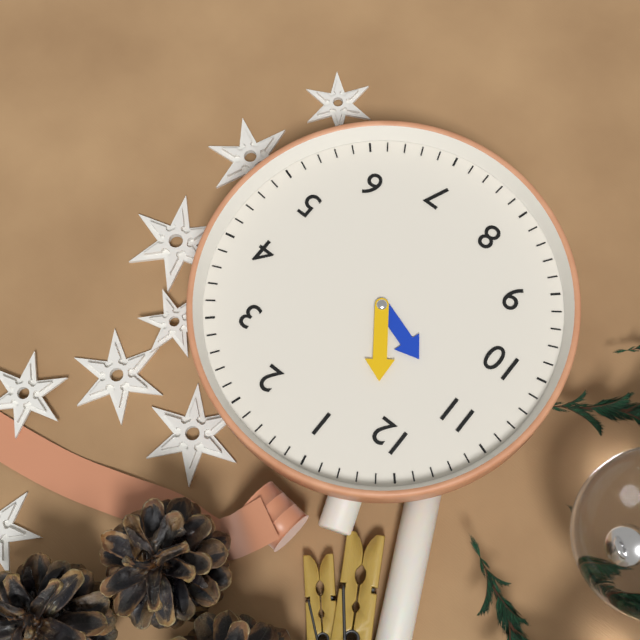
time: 11:01
